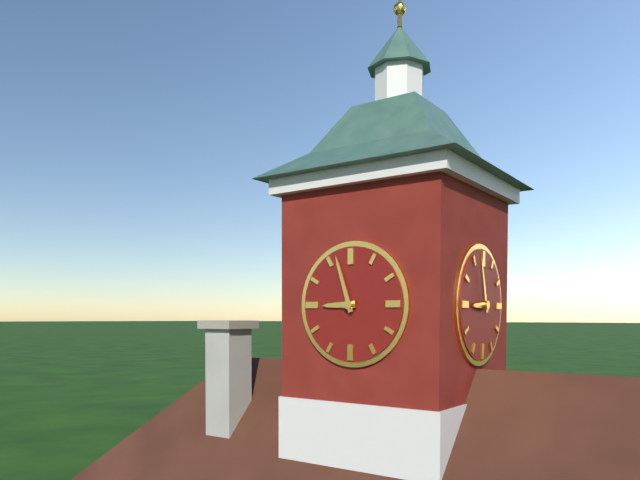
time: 8:57
